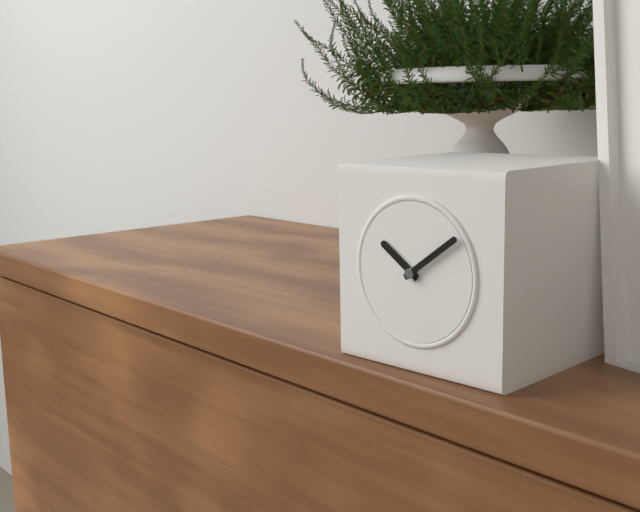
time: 10:09
